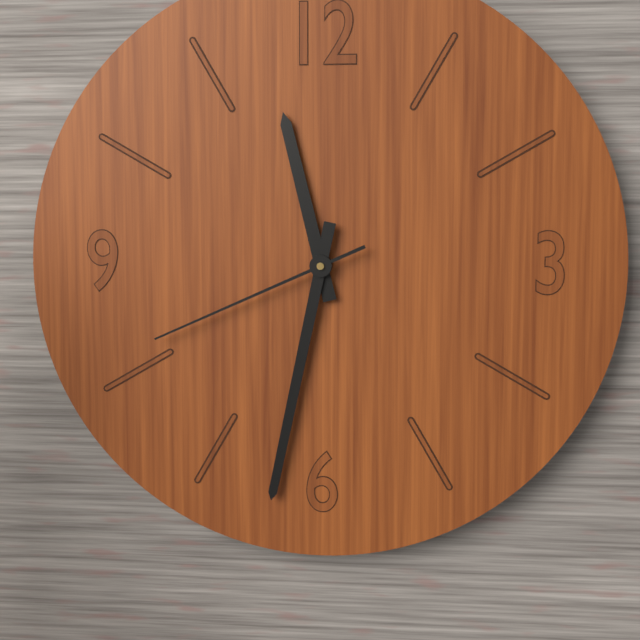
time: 11:32:41
